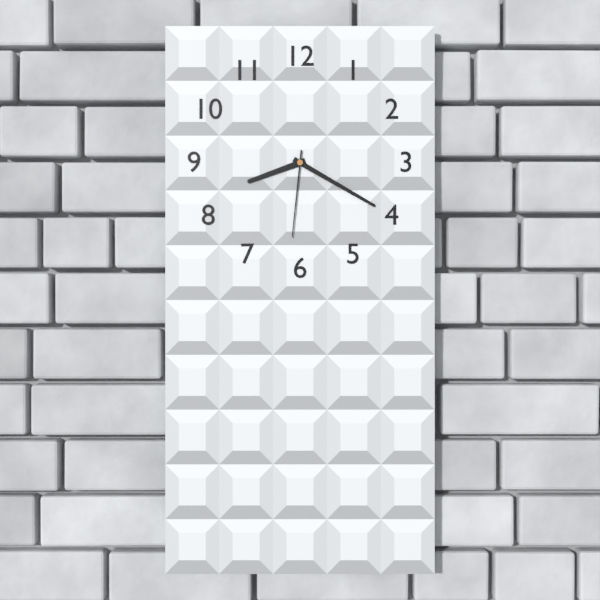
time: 8:20:31
